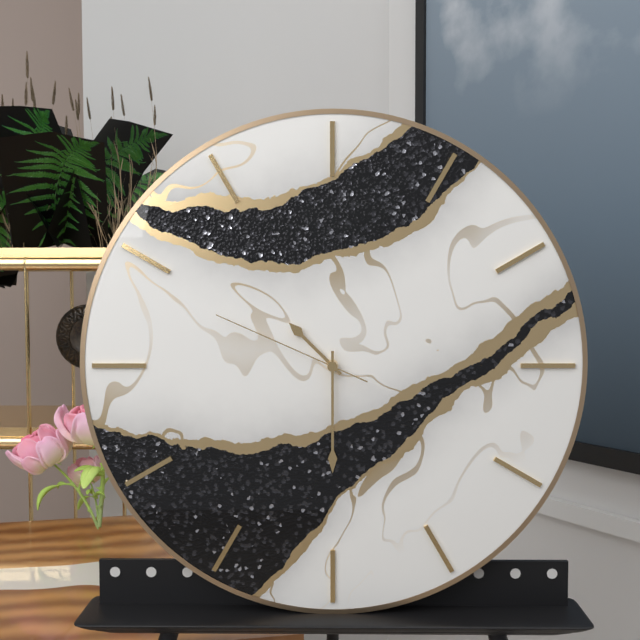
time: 10:30:49
